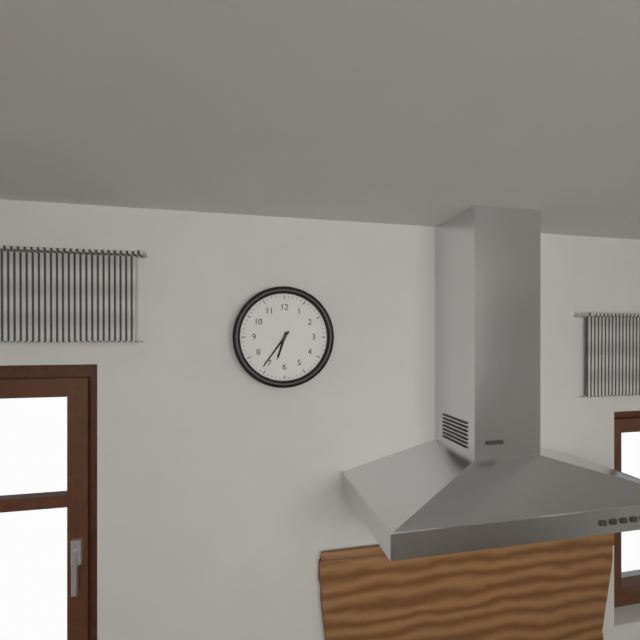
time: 6:36
